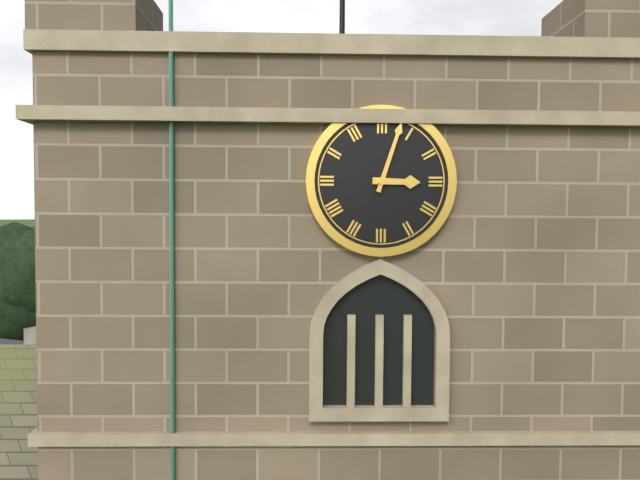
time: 3:03
